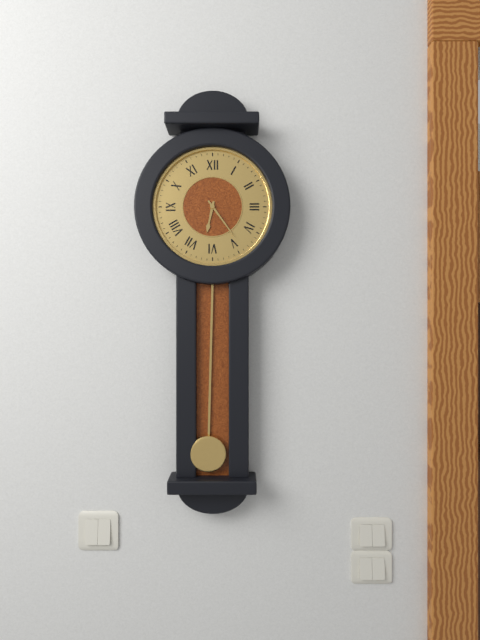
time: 6:24
